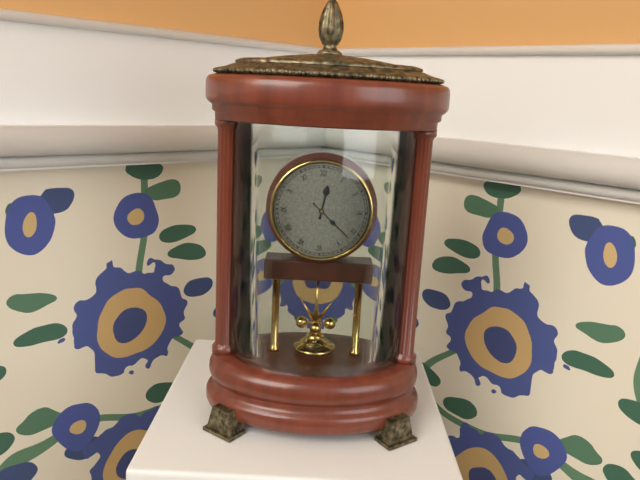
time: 12:22
